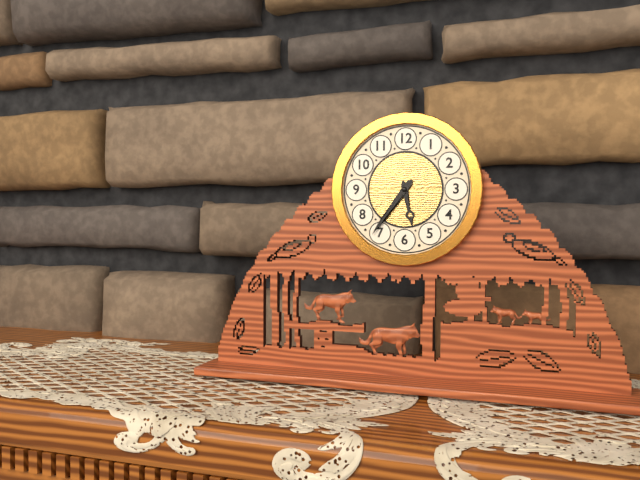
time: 5:36
